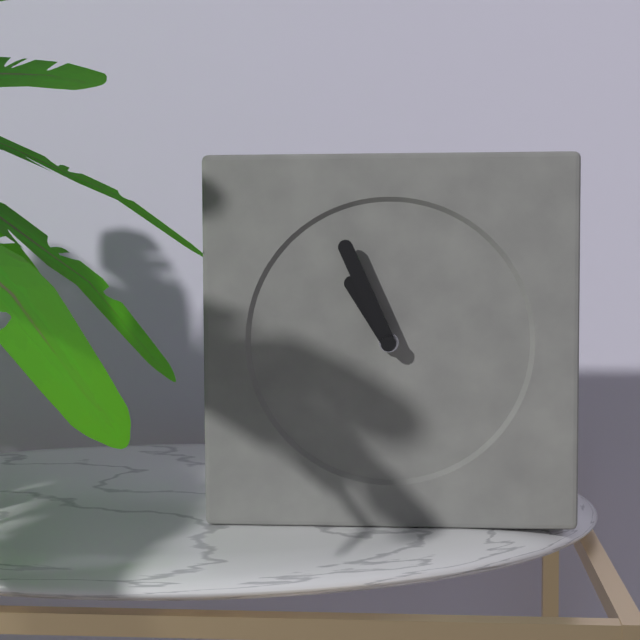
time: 10:56
